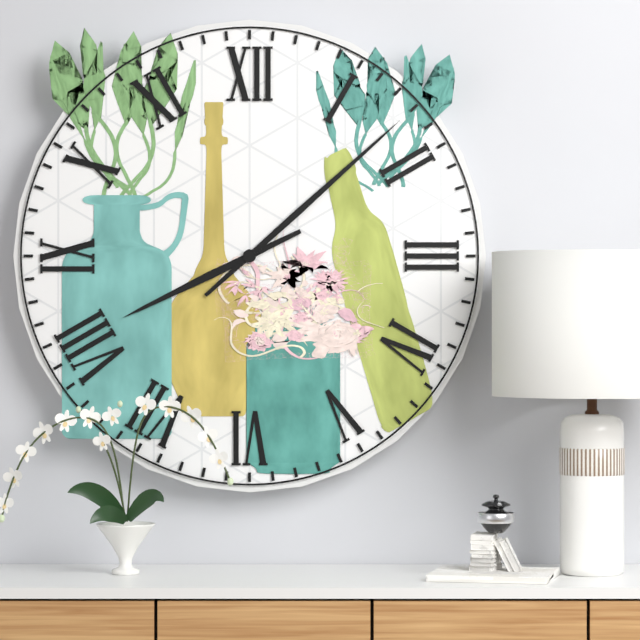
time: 8:08
